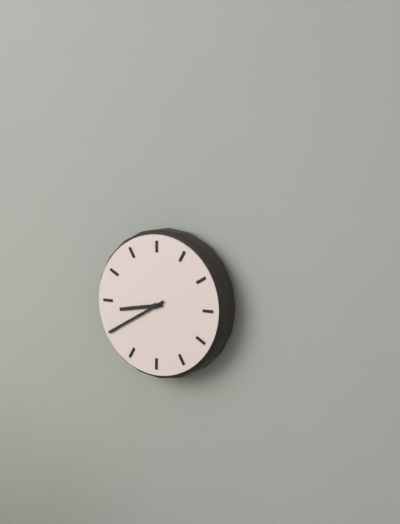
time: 8:40
